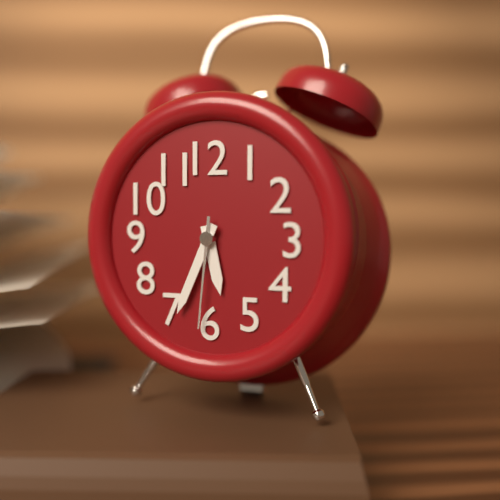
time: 5:34:31
